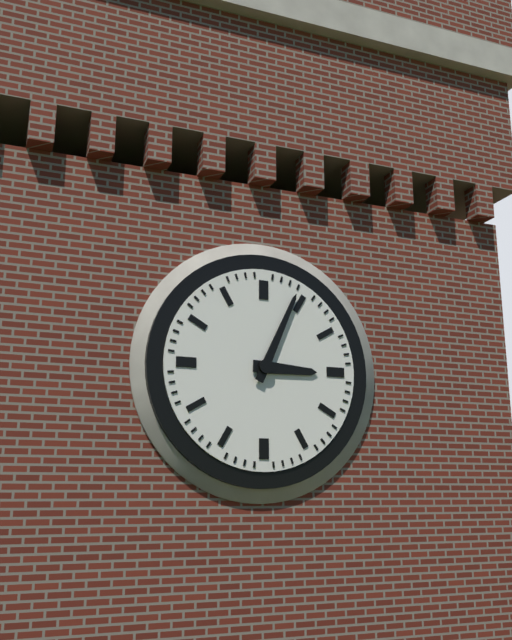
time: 3:04
